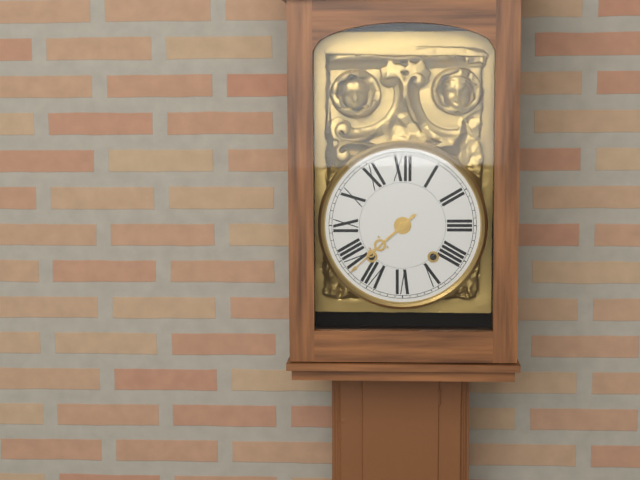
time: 7:38
